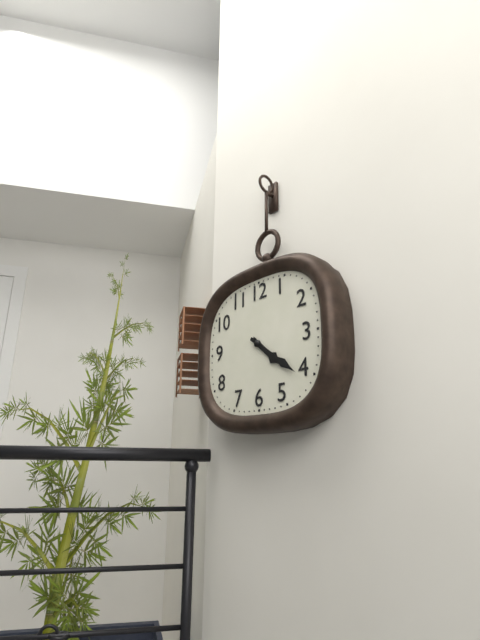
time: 4:21
